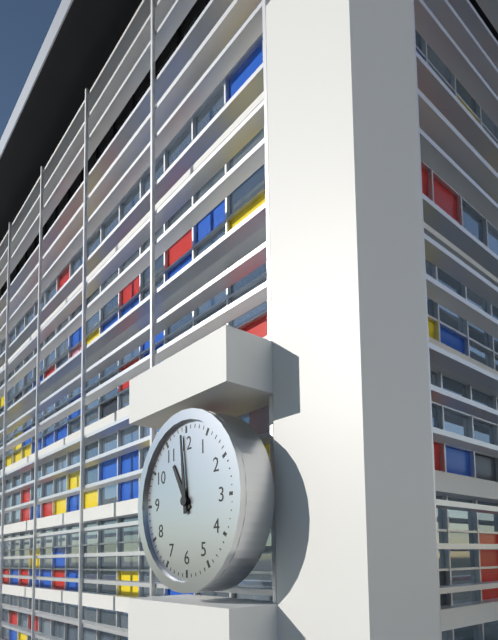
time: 10:59
